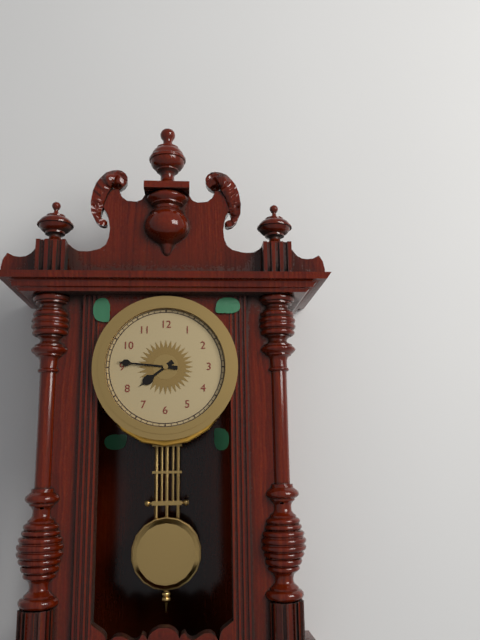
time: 7:46
